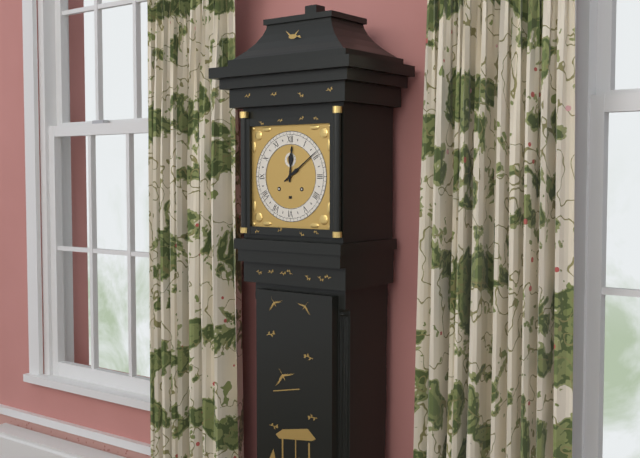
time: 12:09
